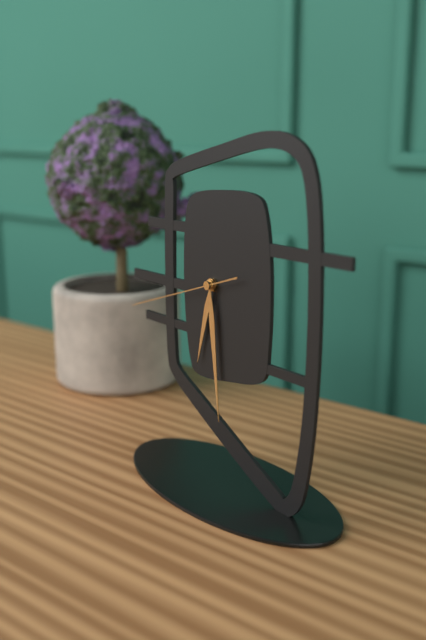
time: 6:29:42
